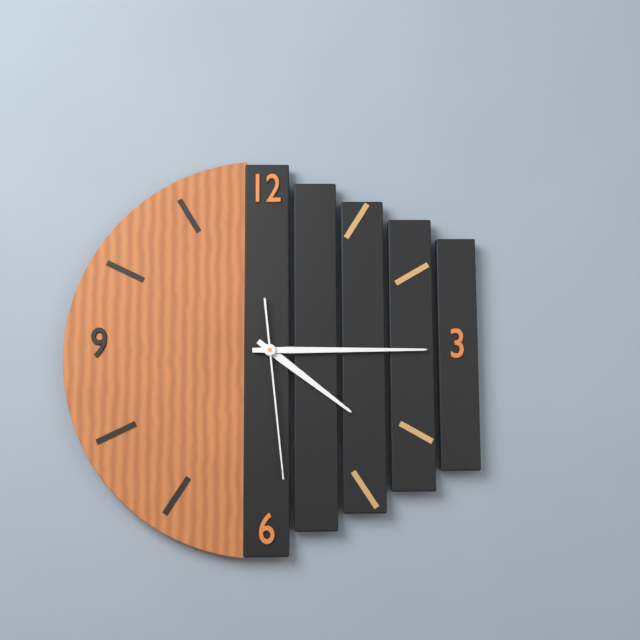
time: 4:15:29
